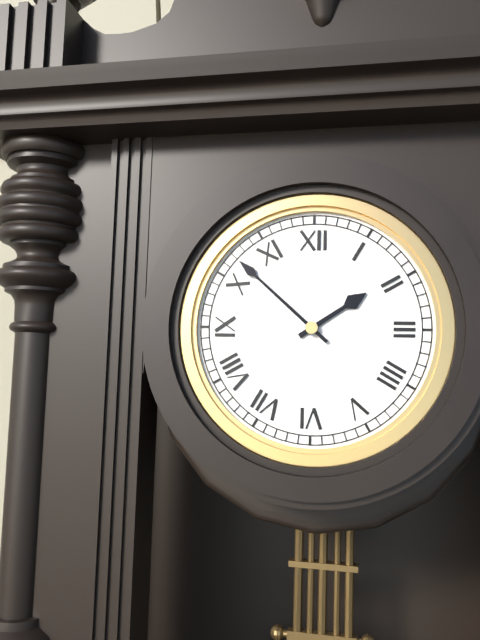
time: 1:52
